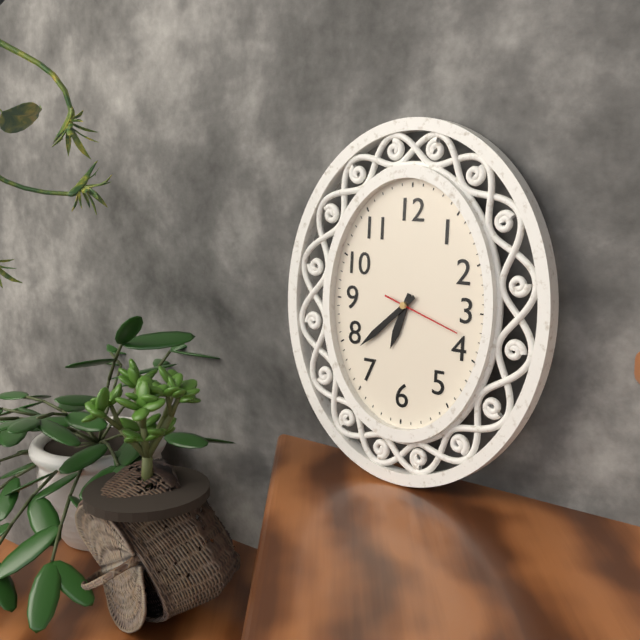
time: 6:38:18
